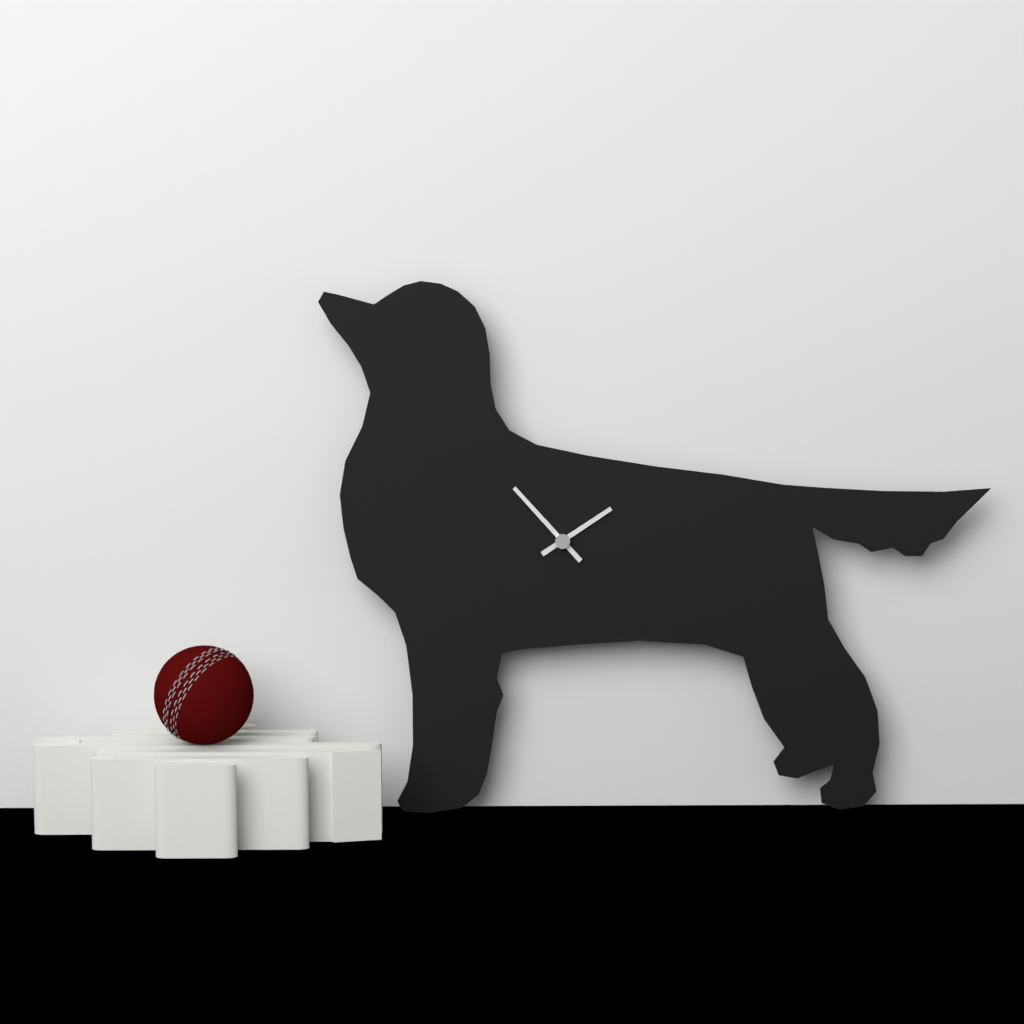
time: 1:53
